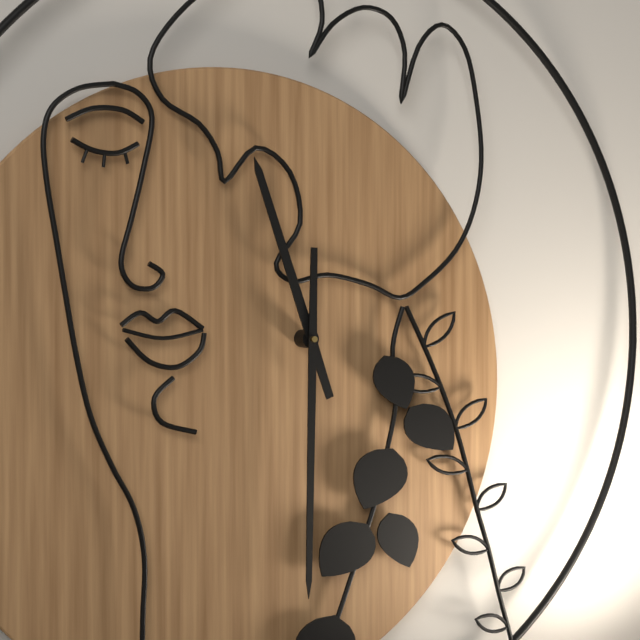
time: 11:31
